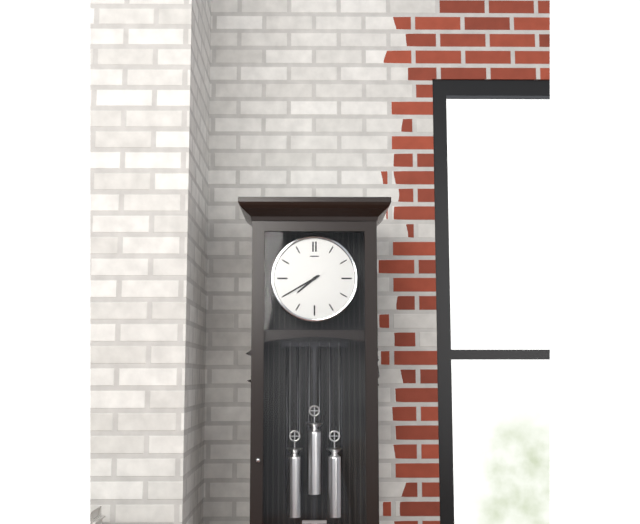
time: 7:40
